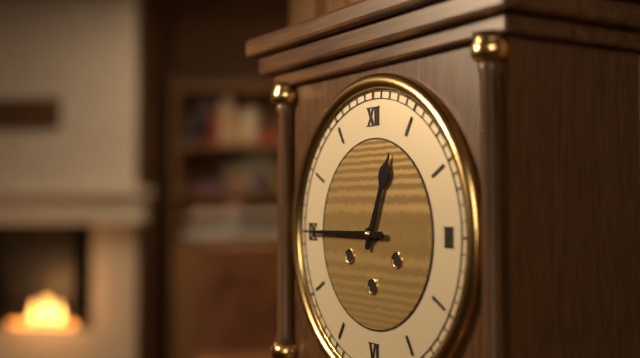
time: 12:45
